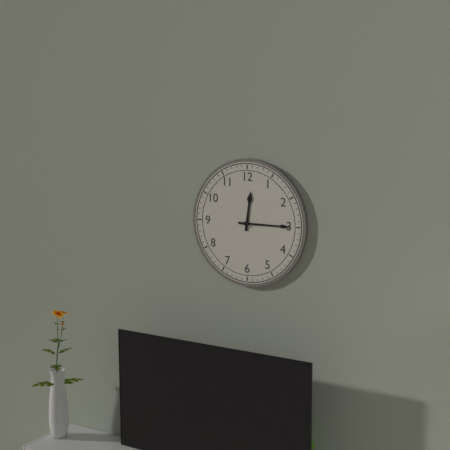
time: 12:15
